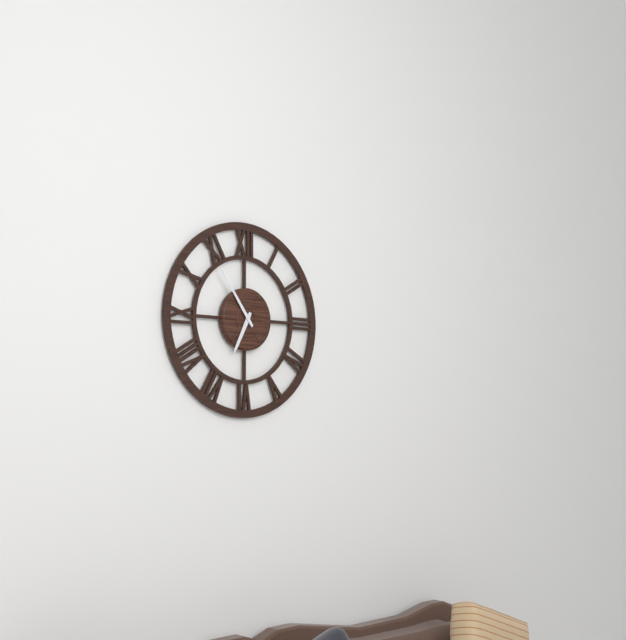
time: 6:54
